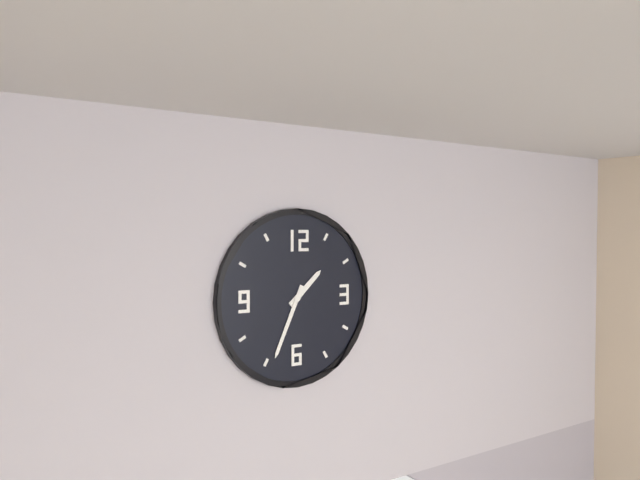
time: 1:34
